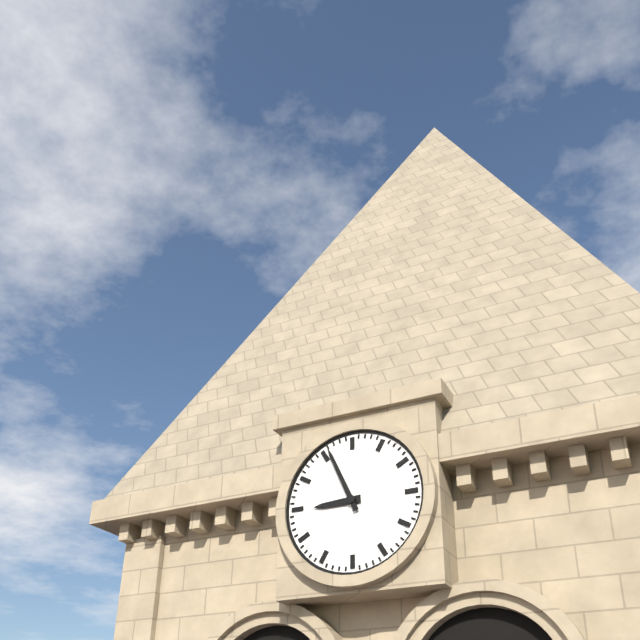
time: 8:56
